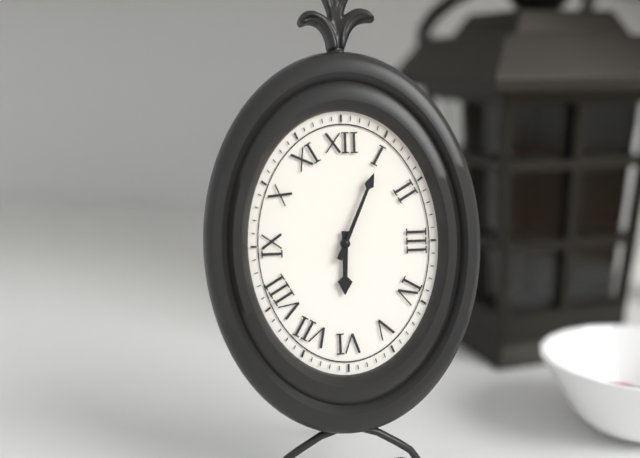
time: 6:04
